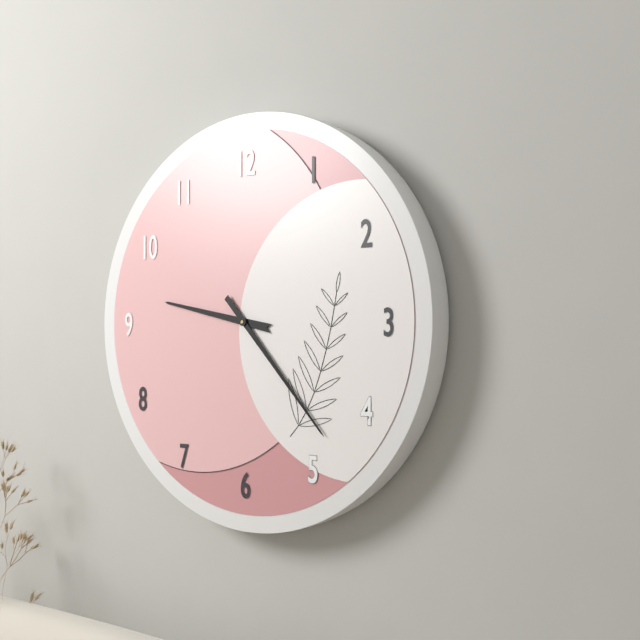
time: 9:23
